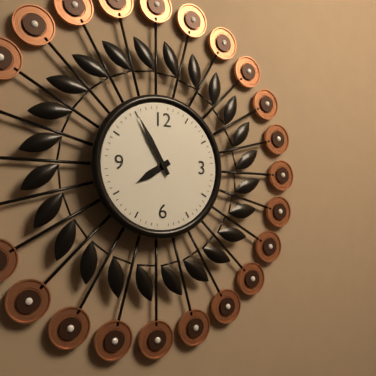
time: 7:55
